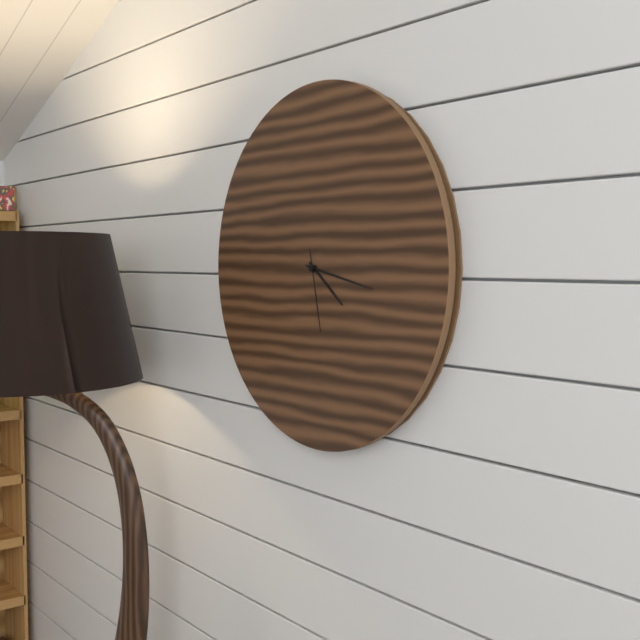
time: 4:17:28
